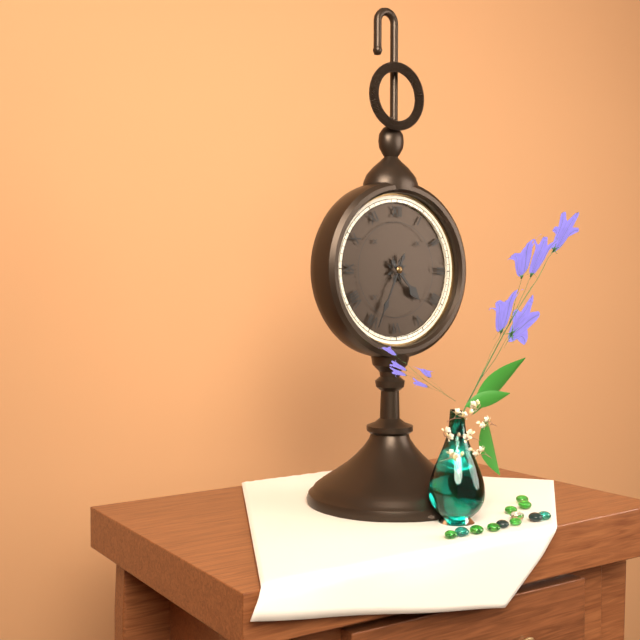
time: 4:34
